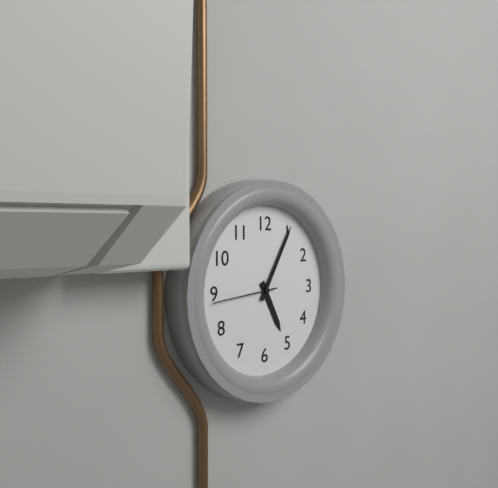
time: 5:05:44
